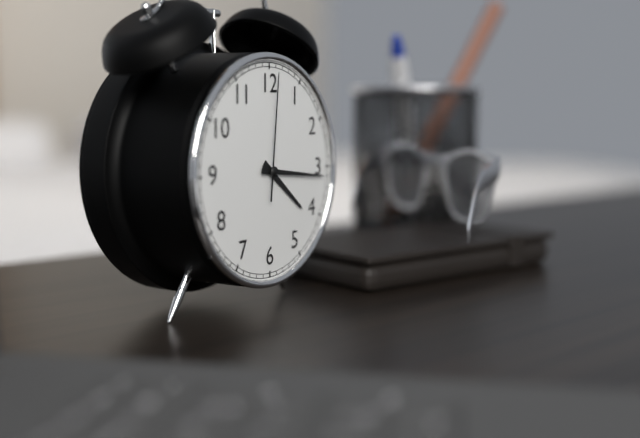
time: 4:16:01
